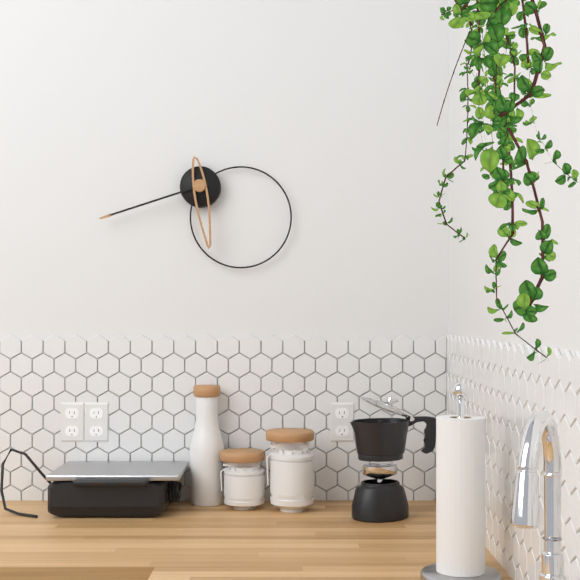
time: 5:42
